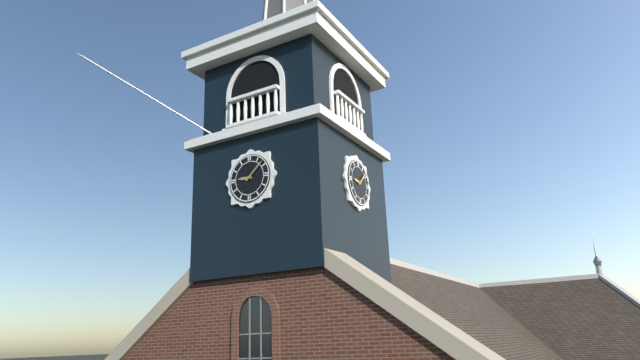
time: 9:08
